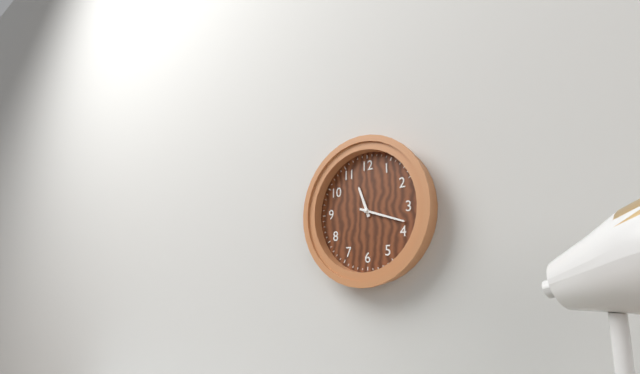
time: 11:18
